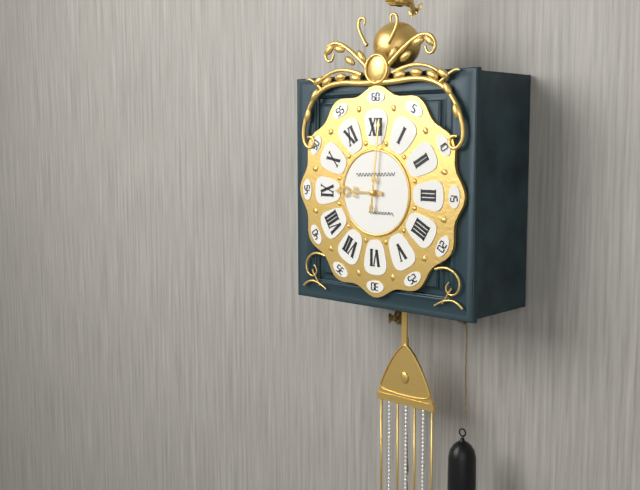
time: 9:01
